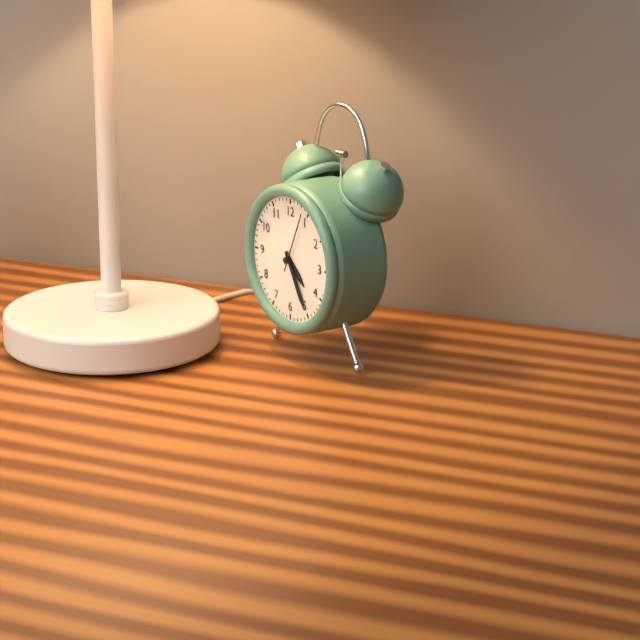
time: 4:25:04
